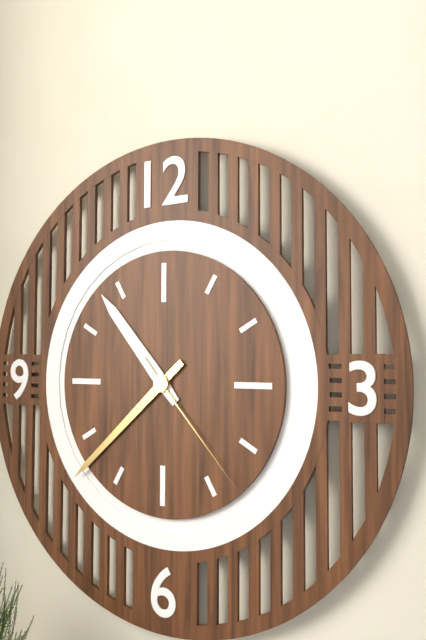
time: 10:38:23
